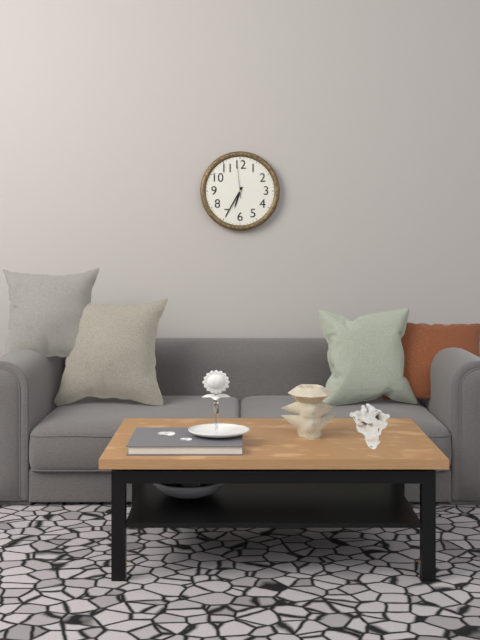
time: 6:35
